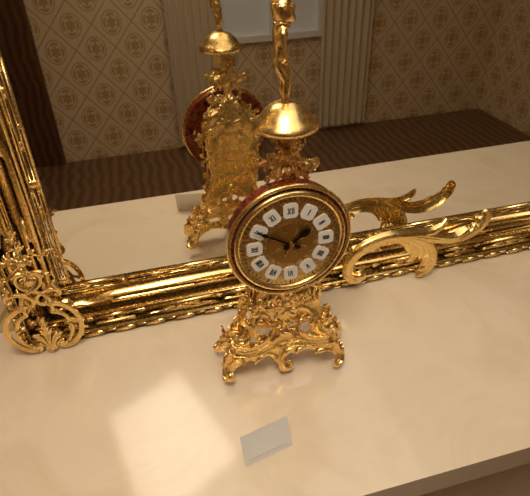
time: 1:50
